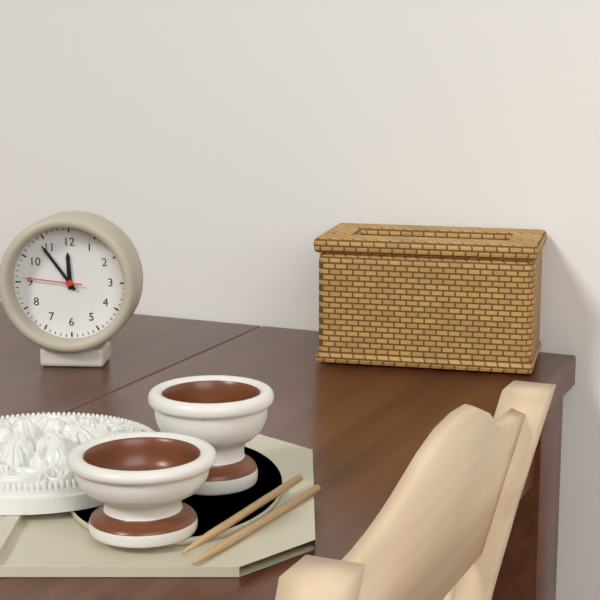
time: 11:54:46
